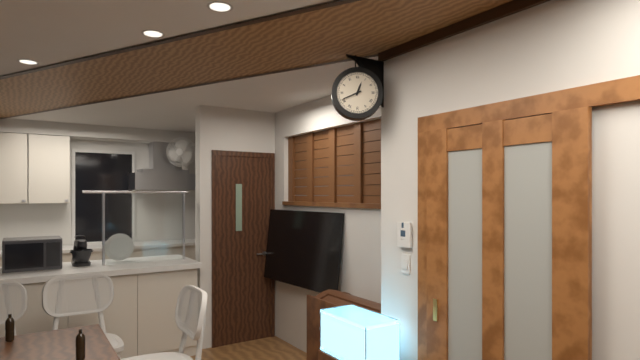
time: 12:41
